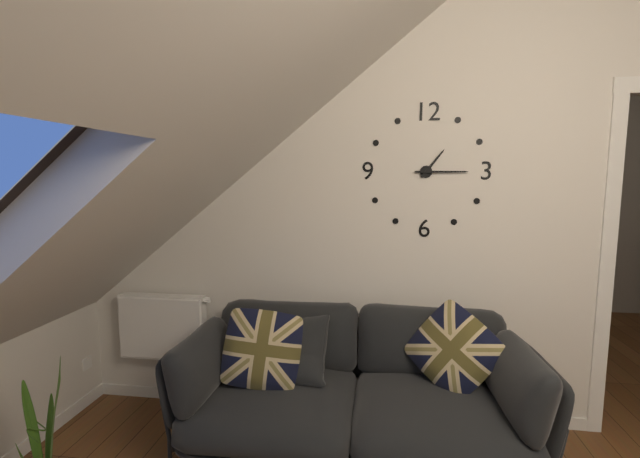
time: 1:15
